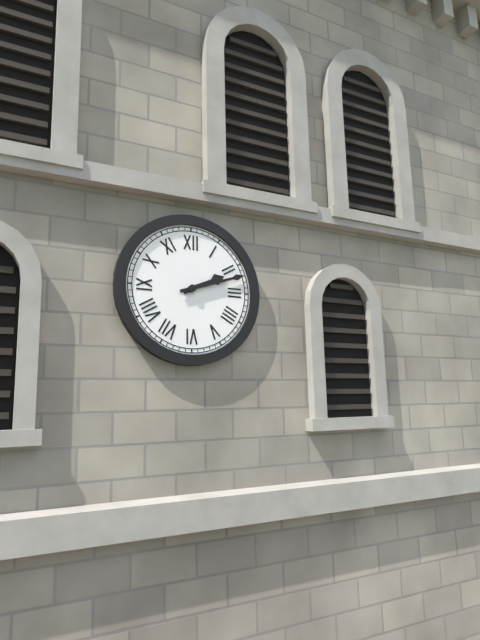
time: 2:12
